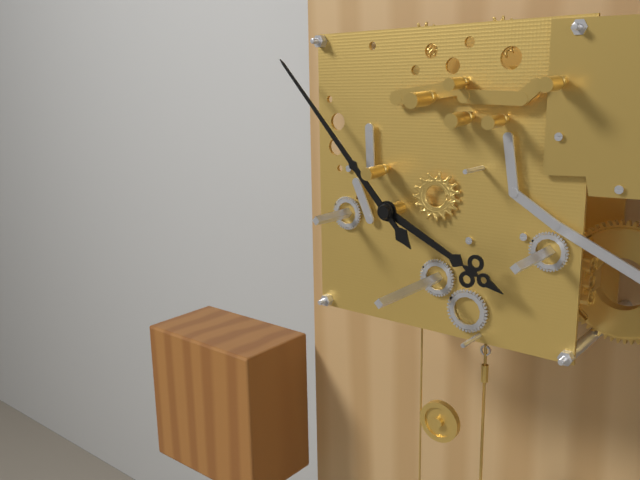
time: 3:53
